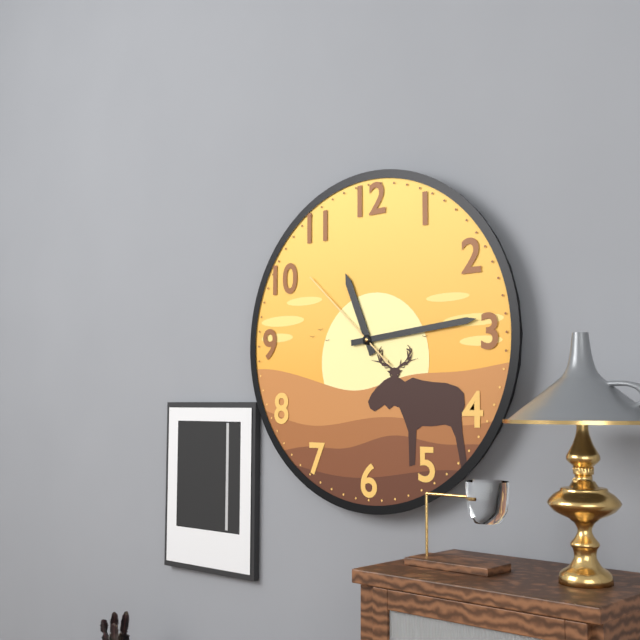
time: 11:14:52
